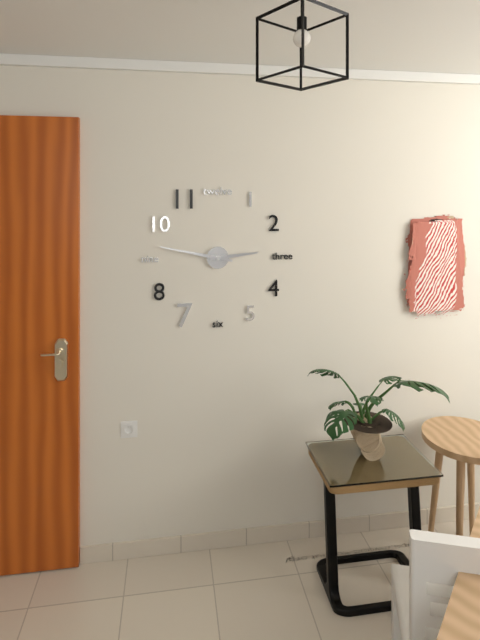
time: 2:47
